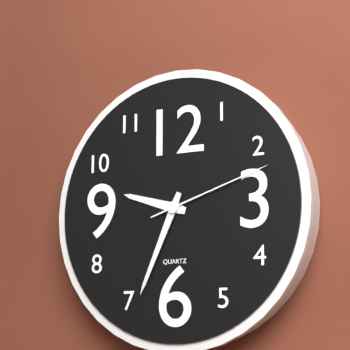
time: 9:34:12
